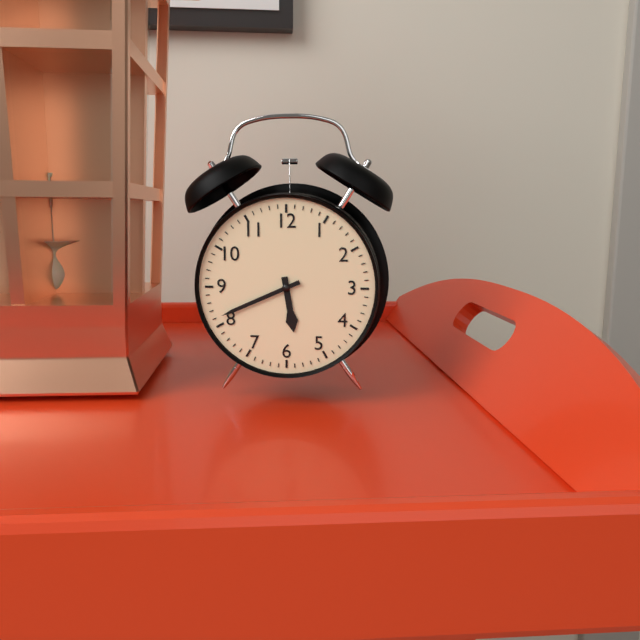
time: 5:41
